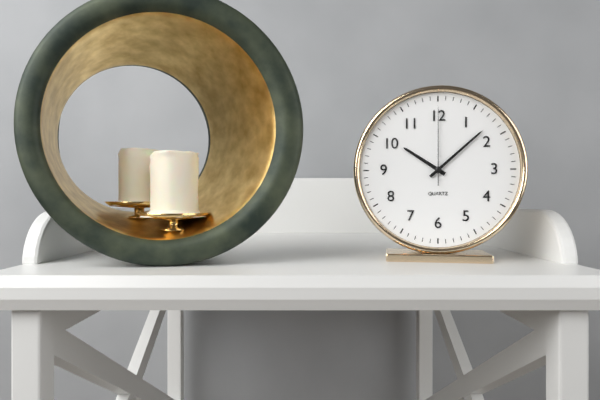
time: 10:08:00
